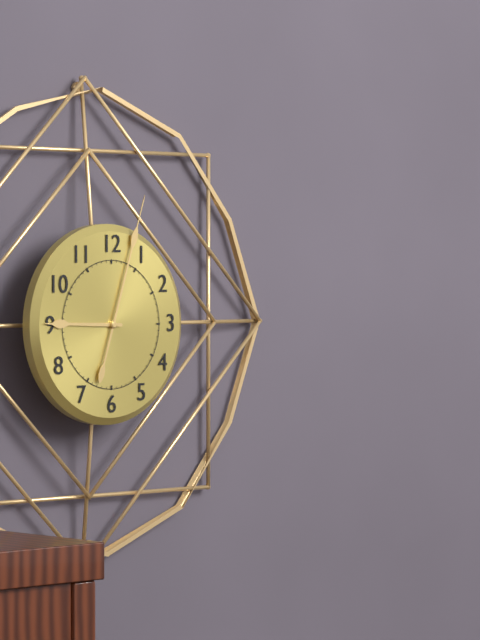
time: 9:03
